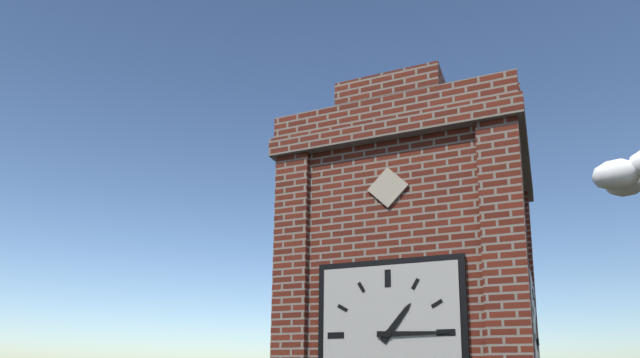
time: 1:15
